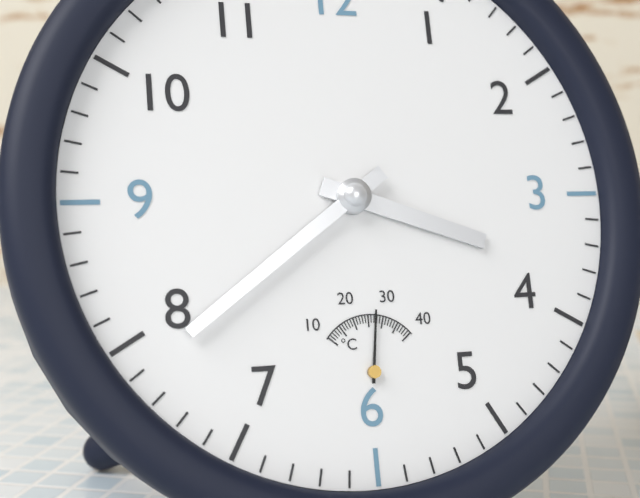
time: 3:39
